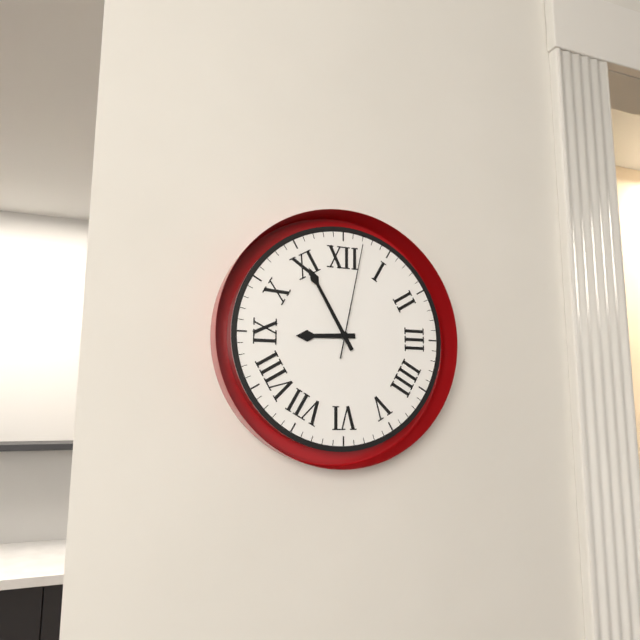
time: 8:55:02
